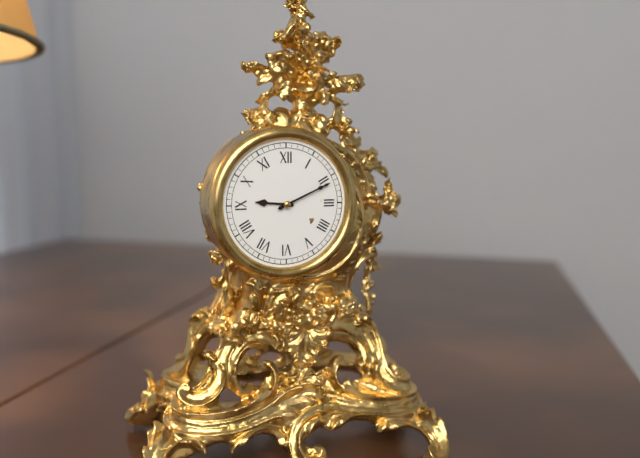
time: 9:11
